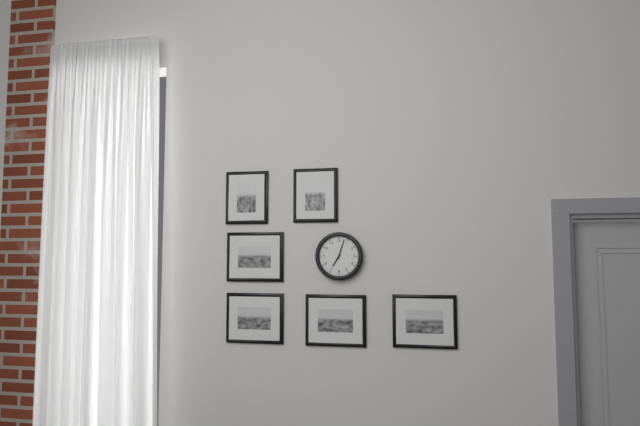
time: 7:03
